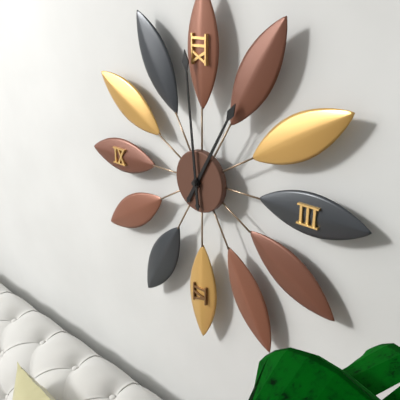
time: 12:59
